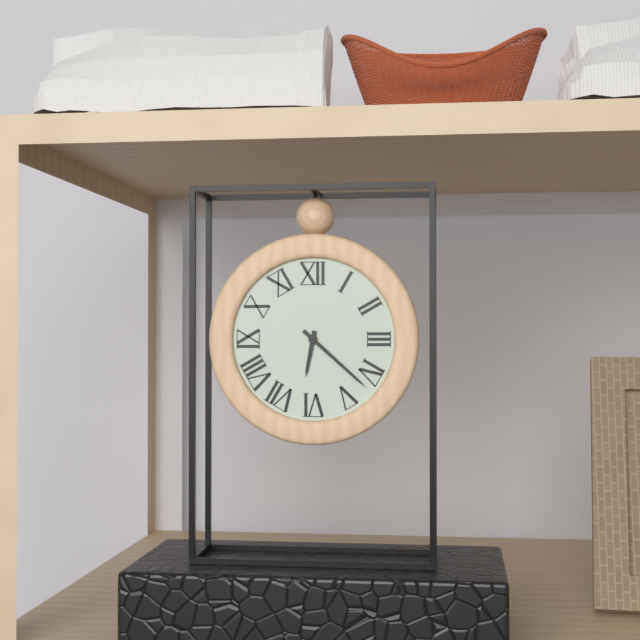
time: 6:22
